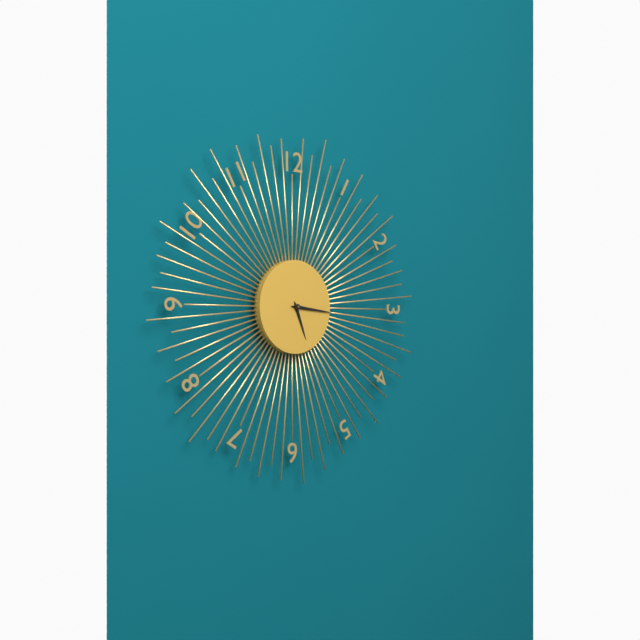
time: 5:16
